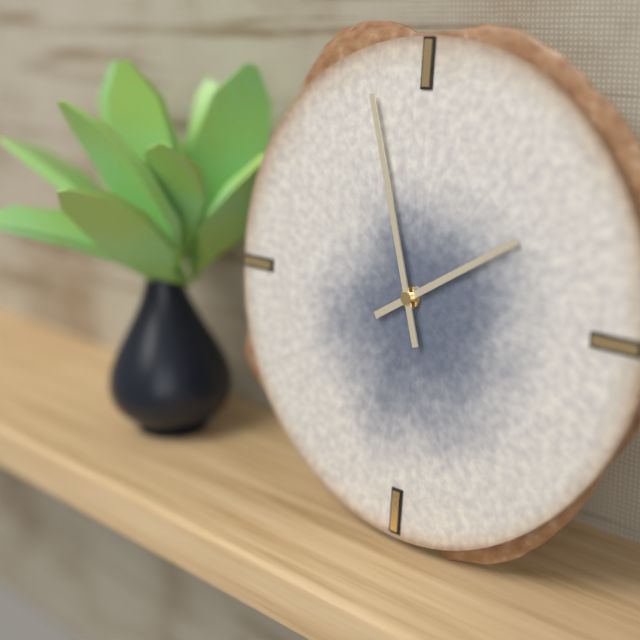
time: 1:57
